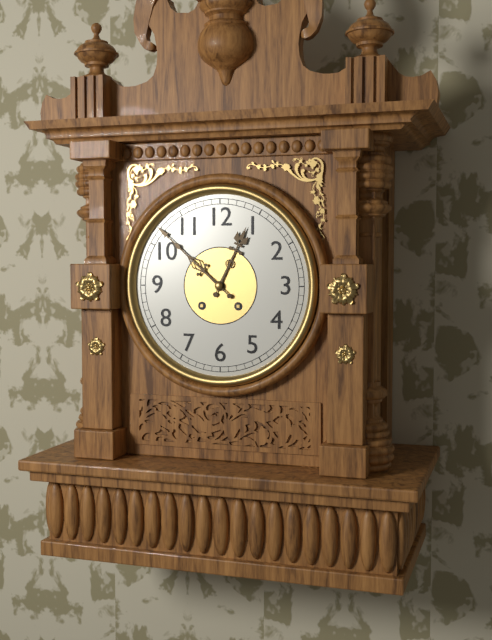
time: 12:52
